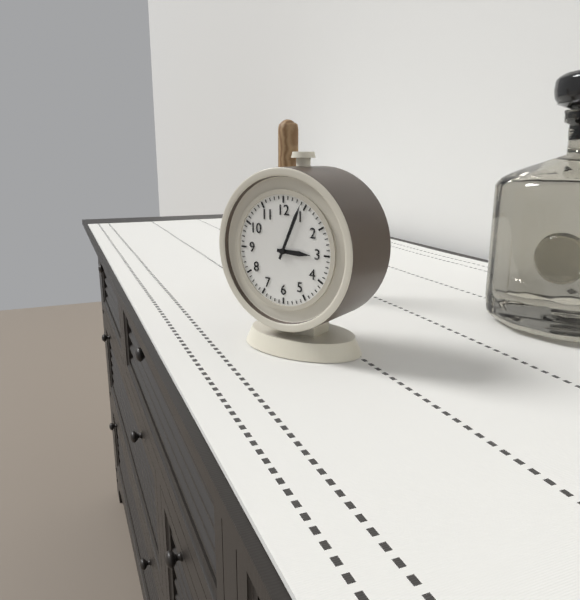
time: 3:04
